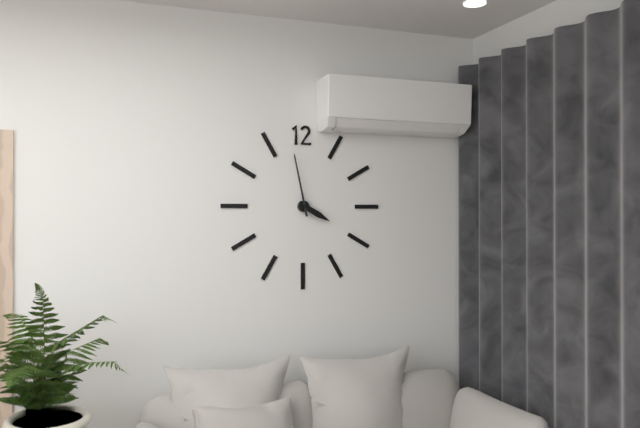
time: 3:58
